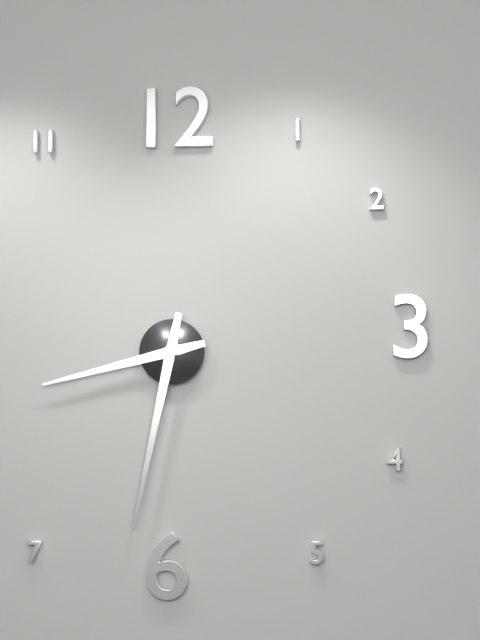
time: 8:32
